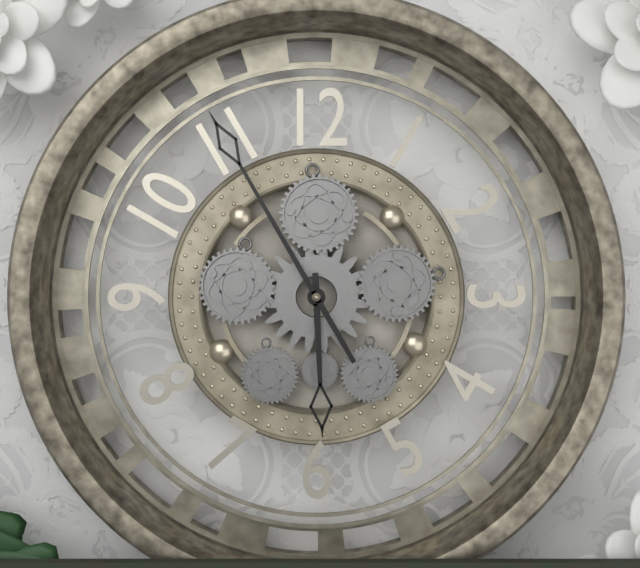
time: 5:55
